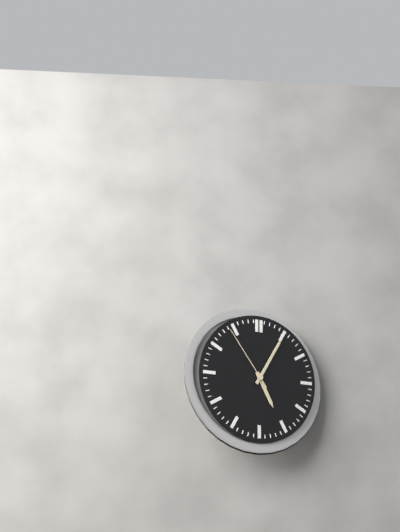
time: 5:05:54
